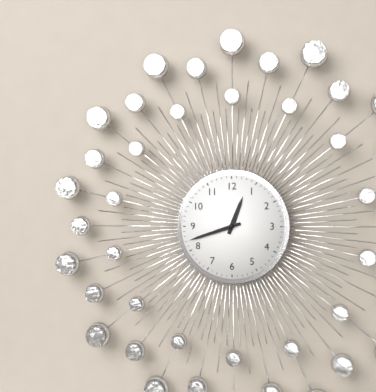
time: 12:42
